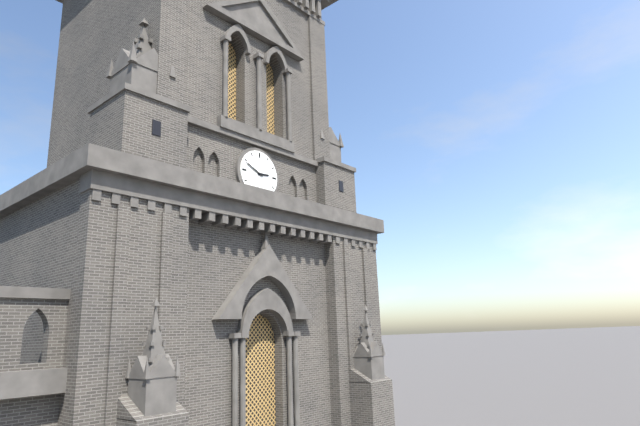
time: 2:49
